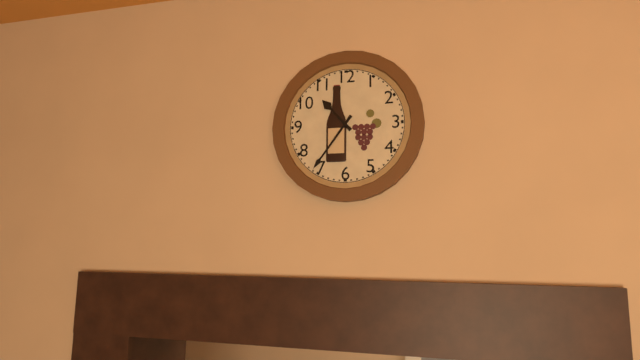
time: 10:36
